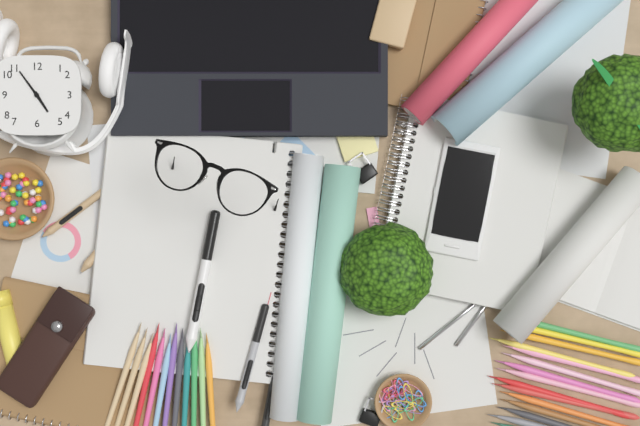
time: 4:54
